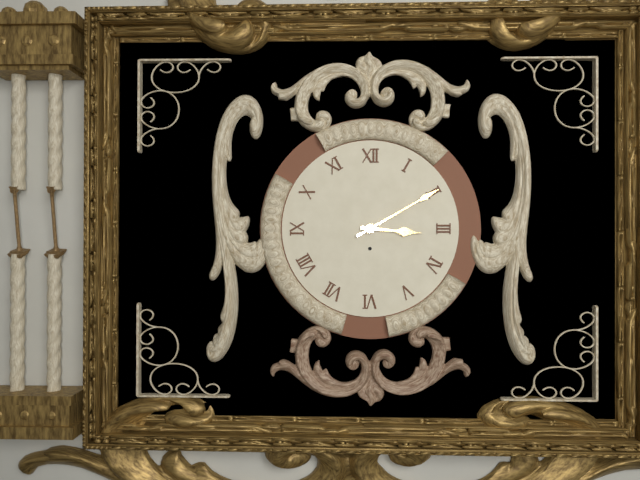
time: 3:10
